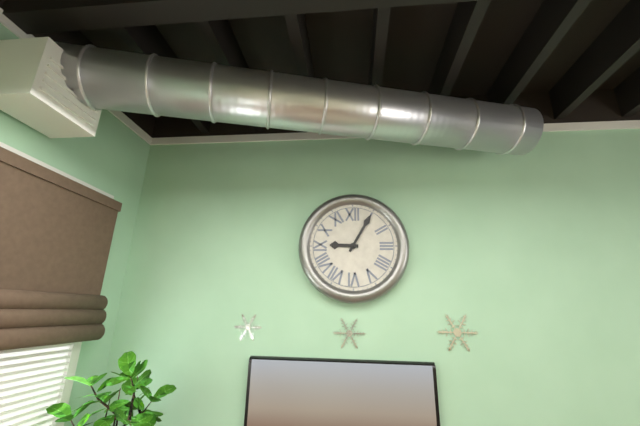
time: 9:05
